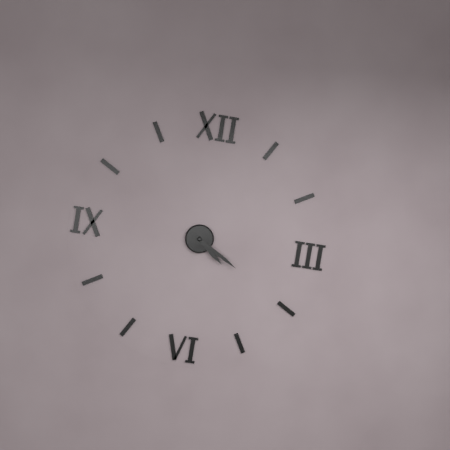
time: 4:20
